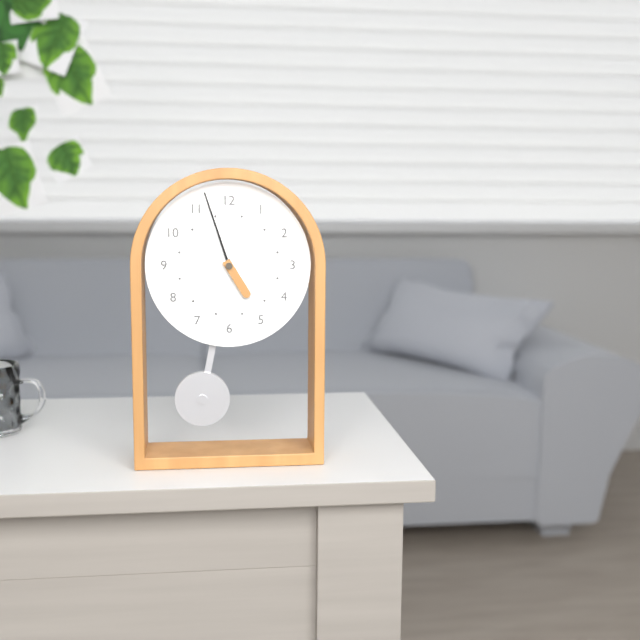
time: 4:57
